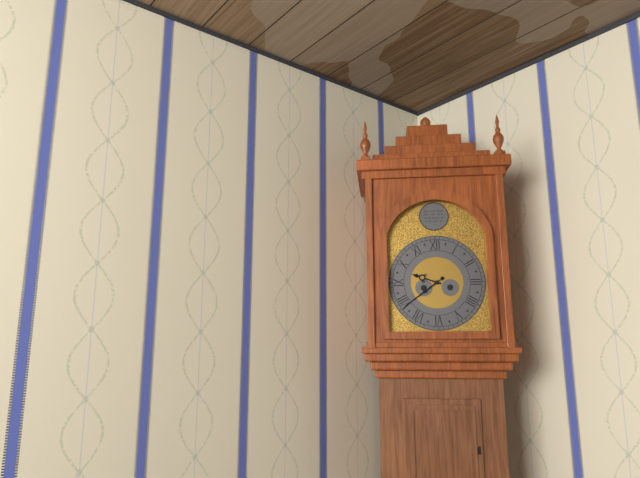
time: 9:39
